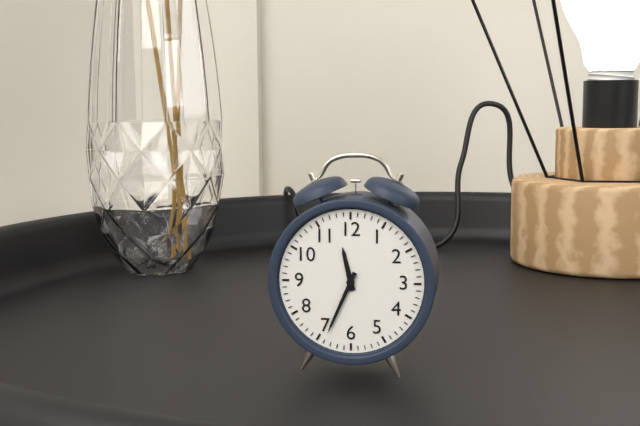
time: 11:34
